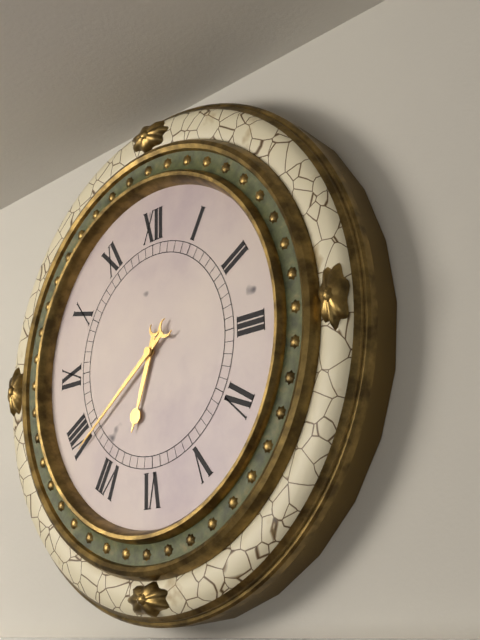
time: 6:39
